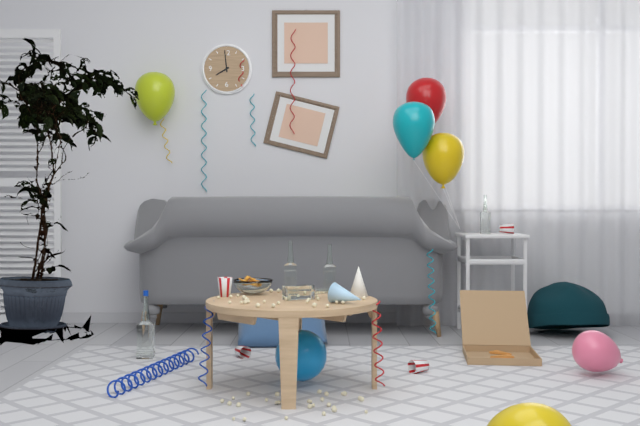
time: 7:59
